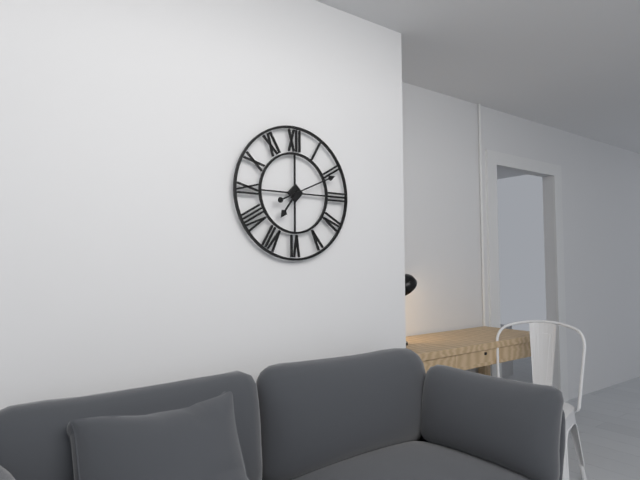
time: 7:11
